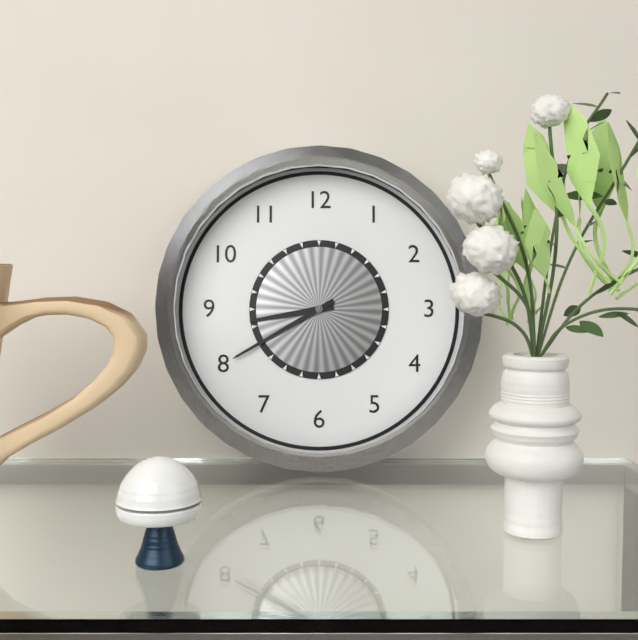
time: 8:40
